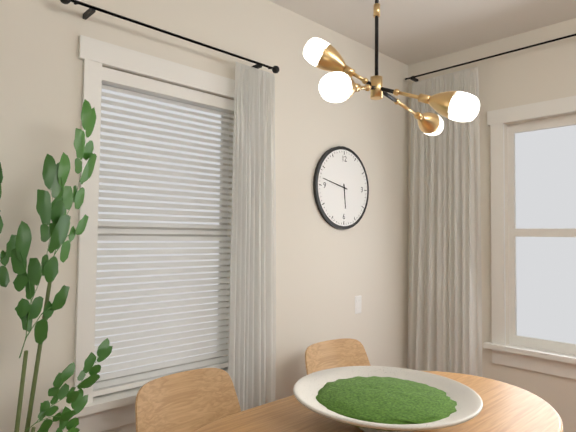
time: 5:47
